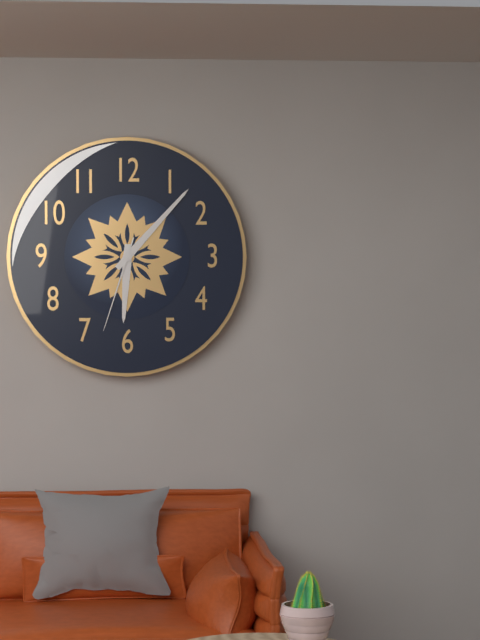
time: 6:07:33
